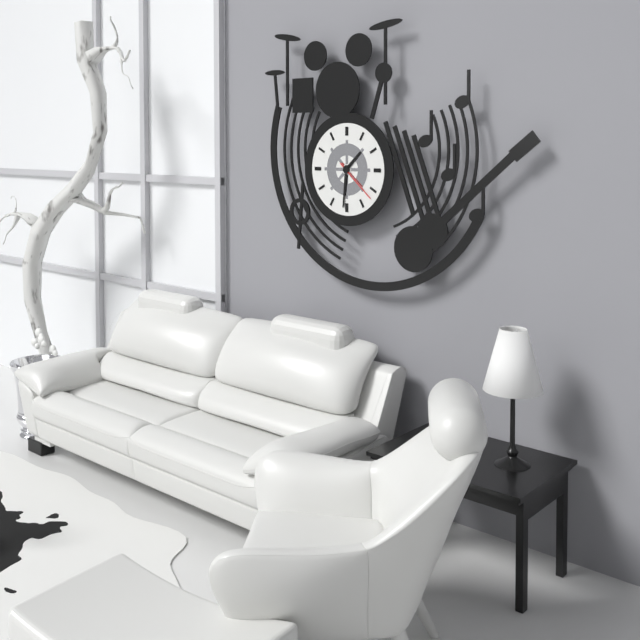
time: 1:31
